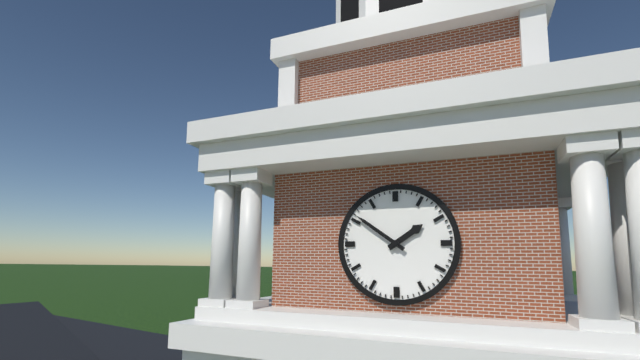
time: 1:51
